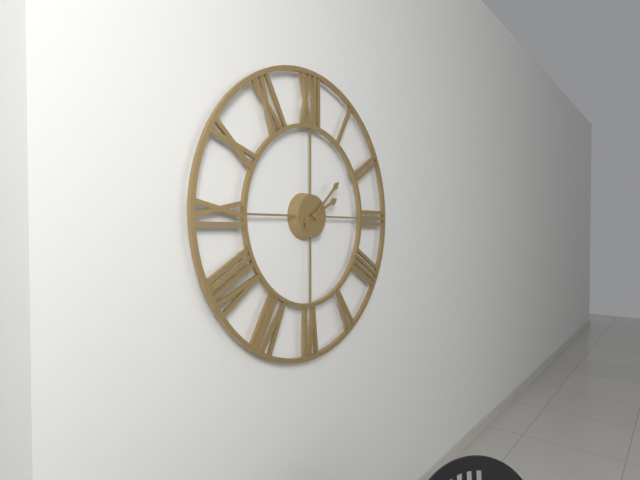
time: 2:08
